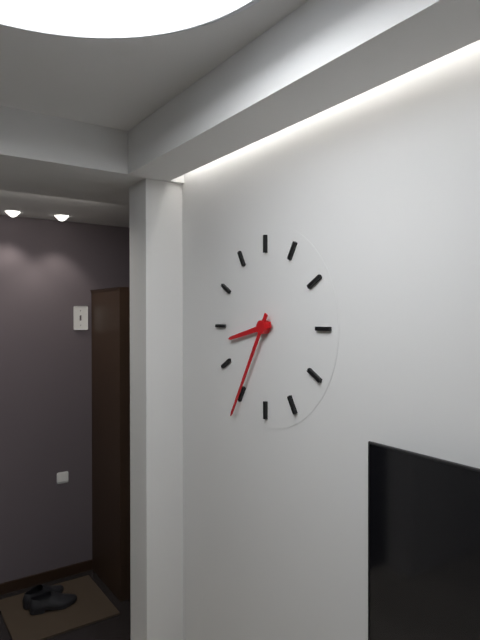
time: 8:35
